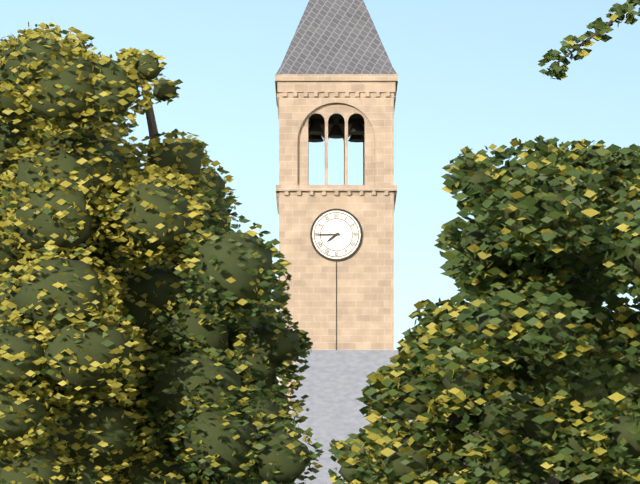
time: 7:45
